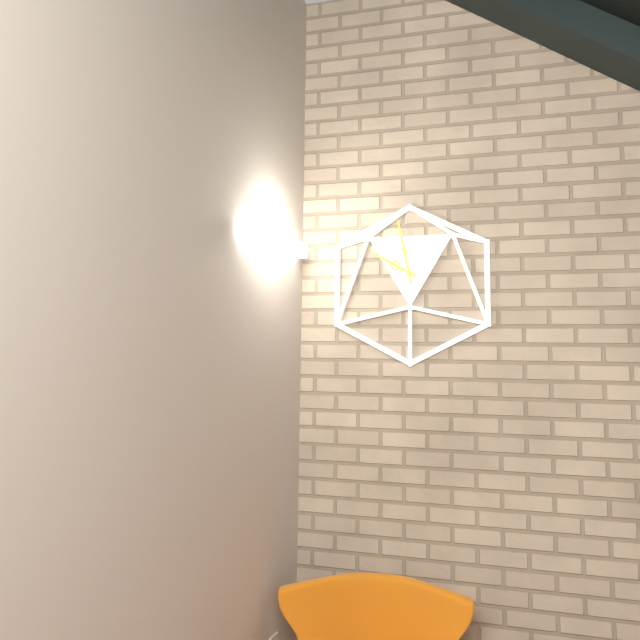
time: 9:58
